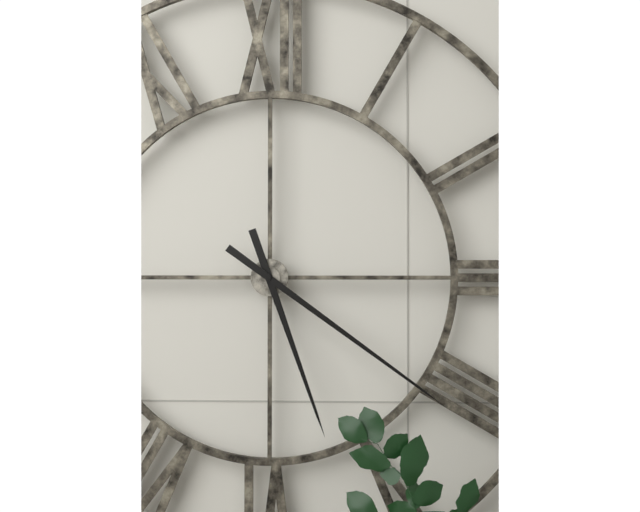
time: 5:21
